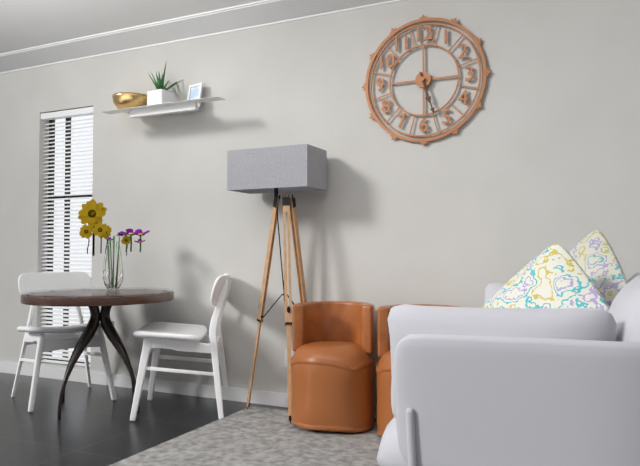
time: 5:27
